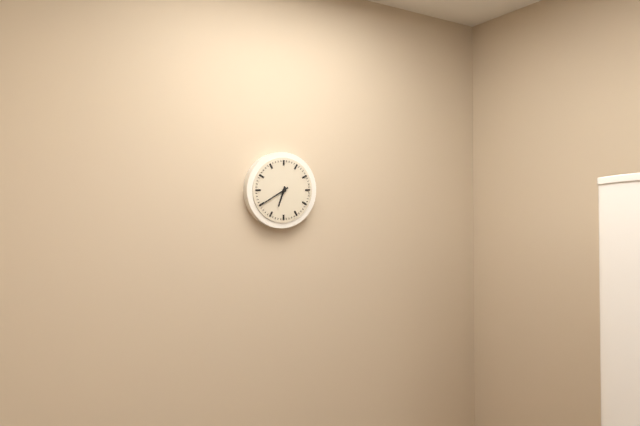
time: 6:40
